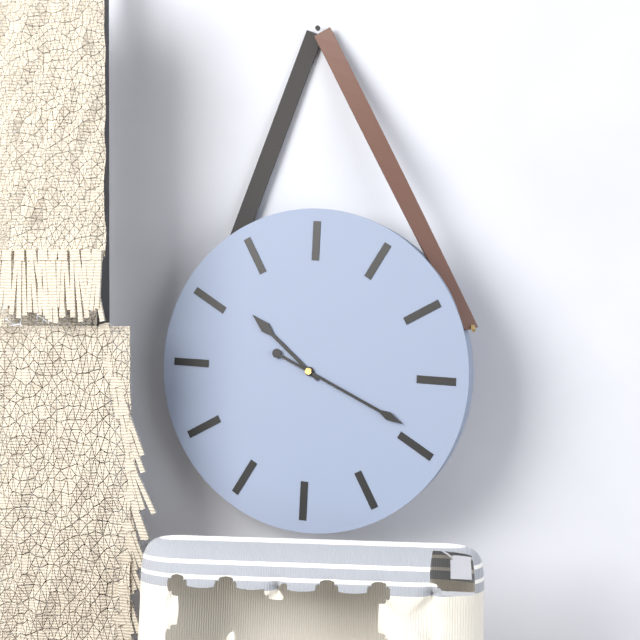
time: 10:19
